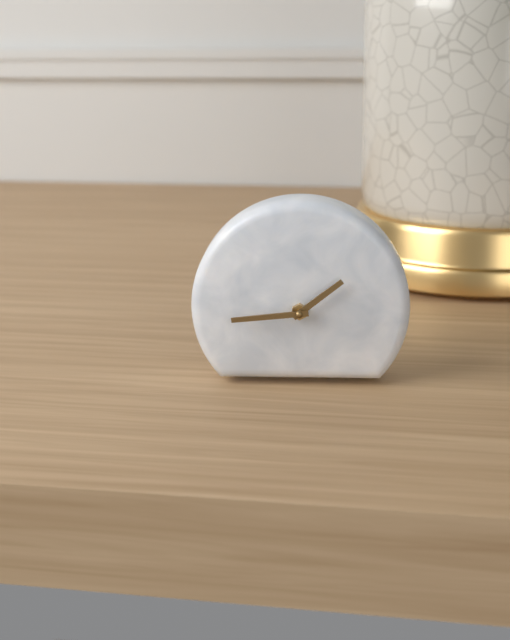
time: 1:44
